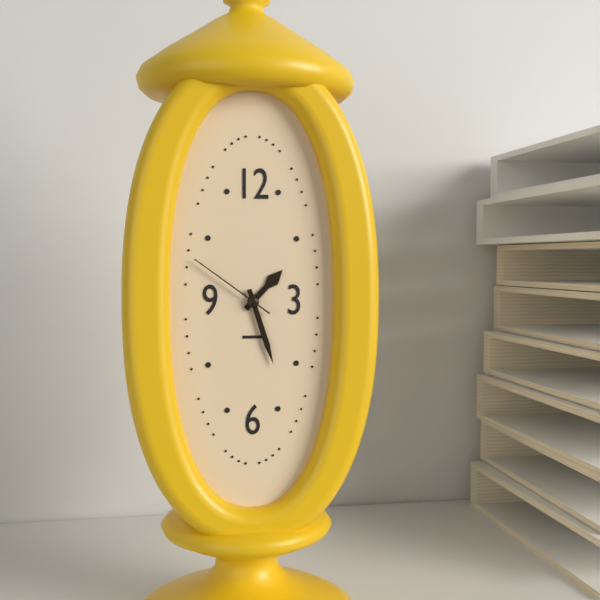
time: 1:27:51
